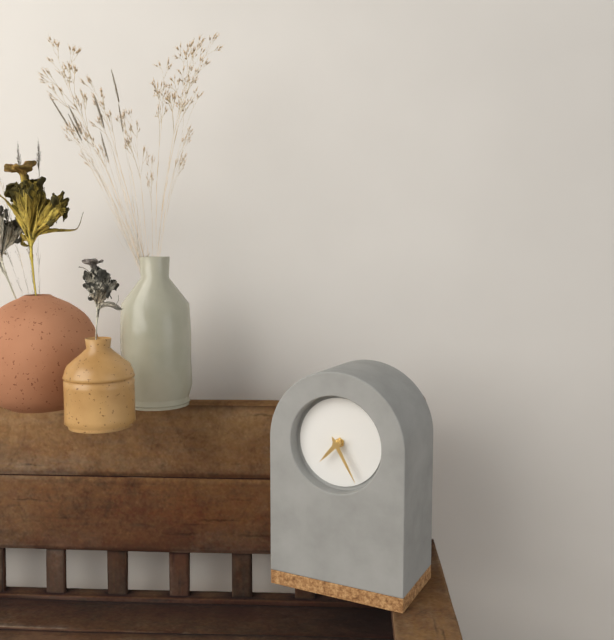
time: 7:25
